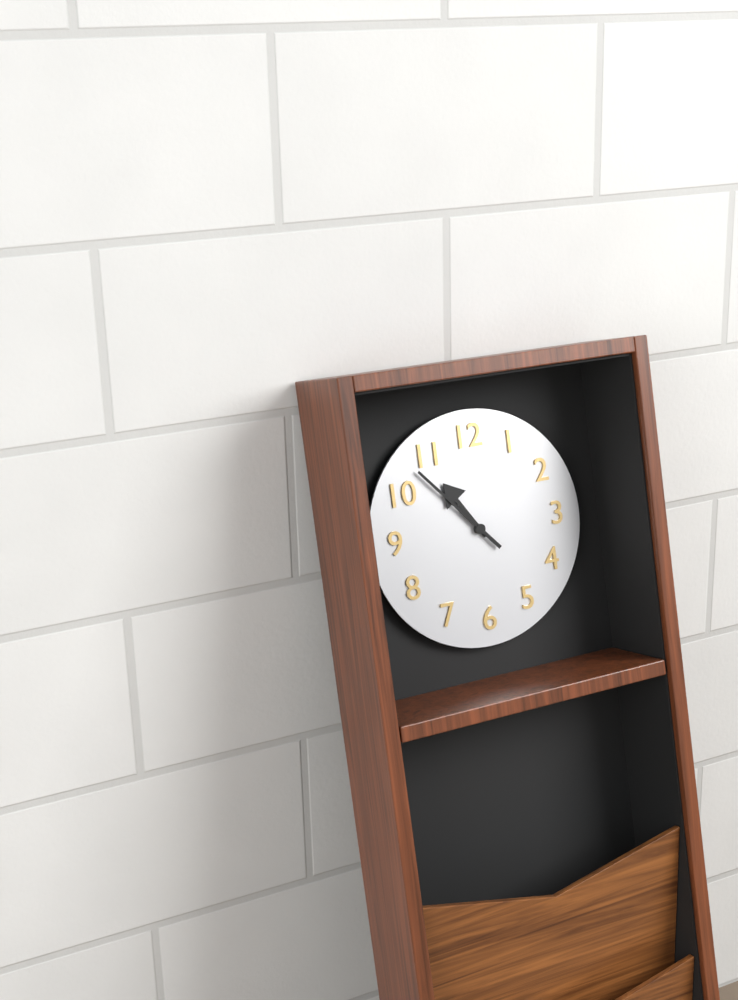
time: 10:53
